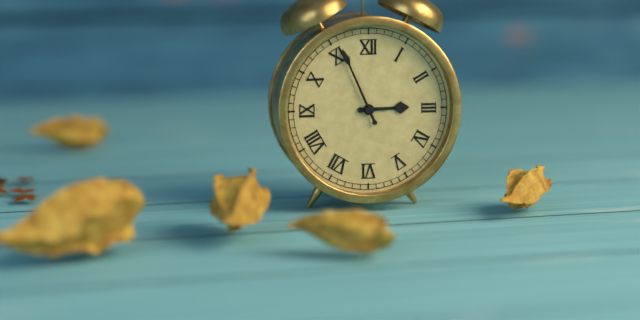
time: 2:56
